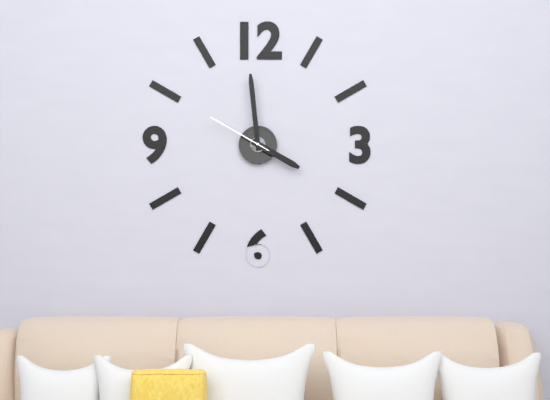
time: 3:59:50
